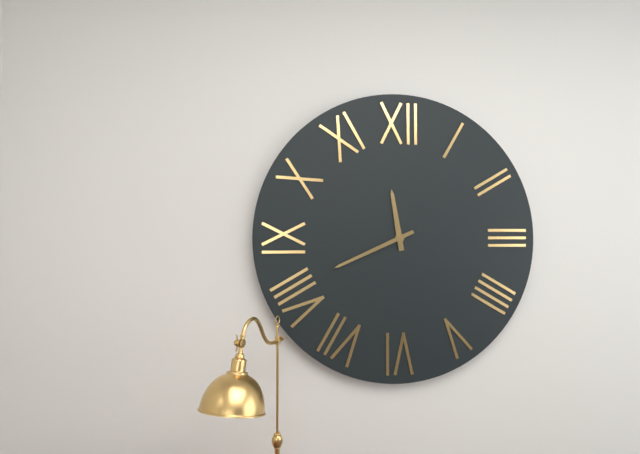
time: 11:41
